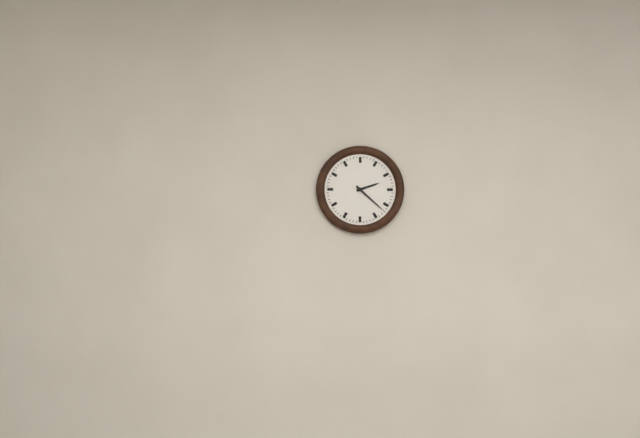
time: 2:22
